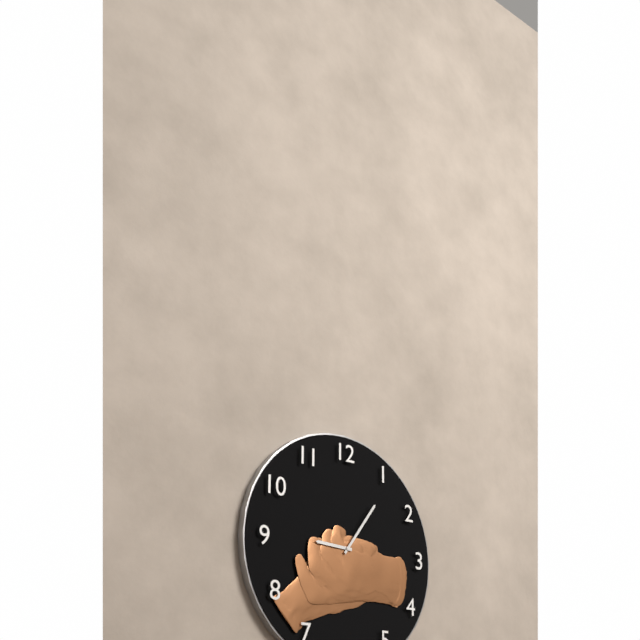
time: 9:06
